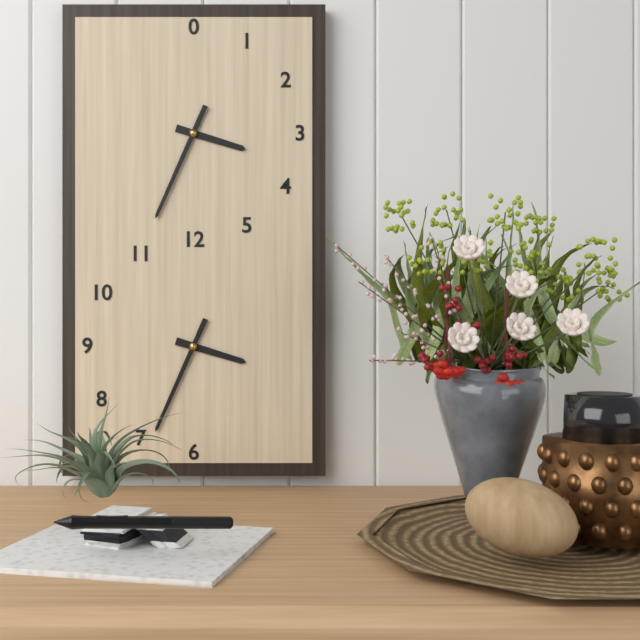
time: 3:34
